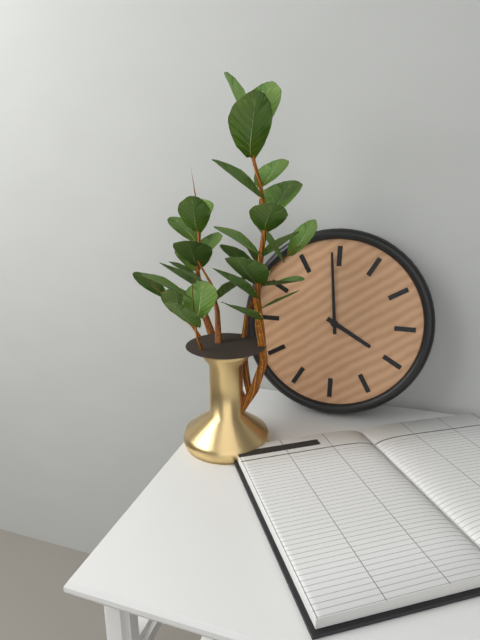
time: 3:59
